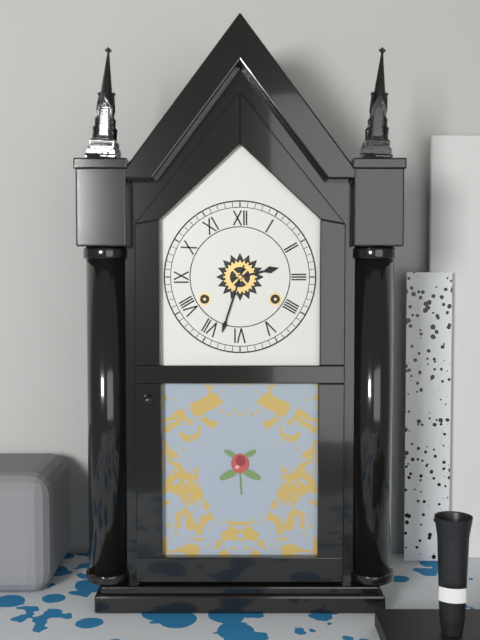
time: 2:33
